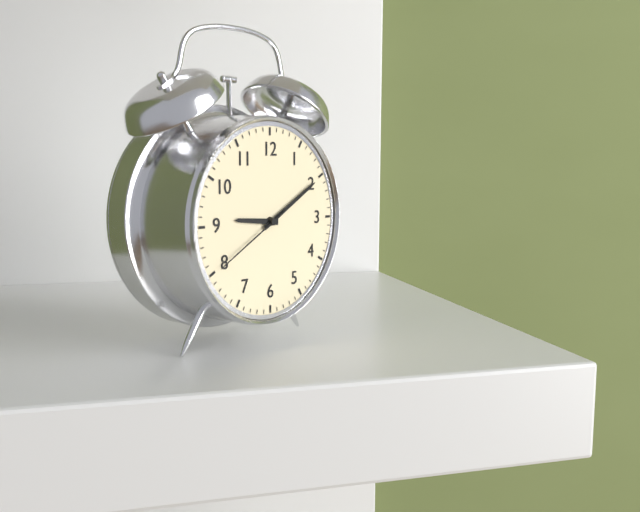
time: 9:10:40
